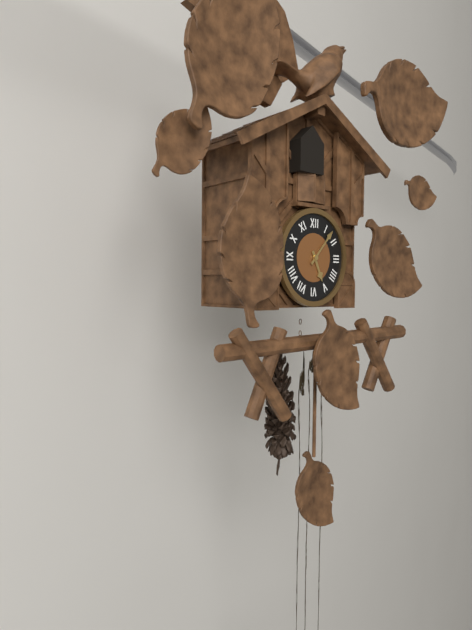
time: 5:07
